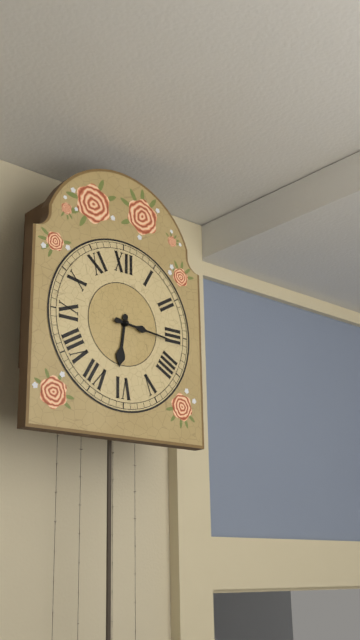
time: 6:16
